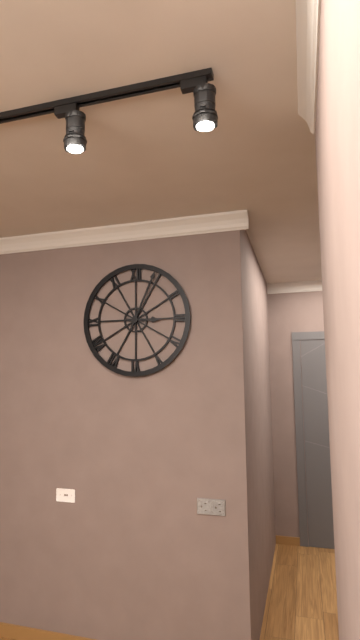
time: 3:04
